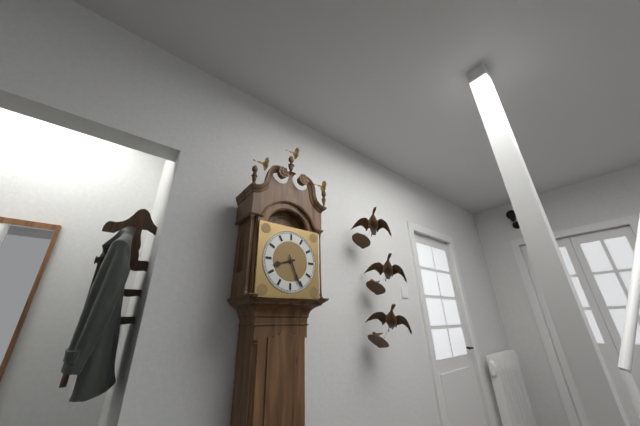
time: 8:26
